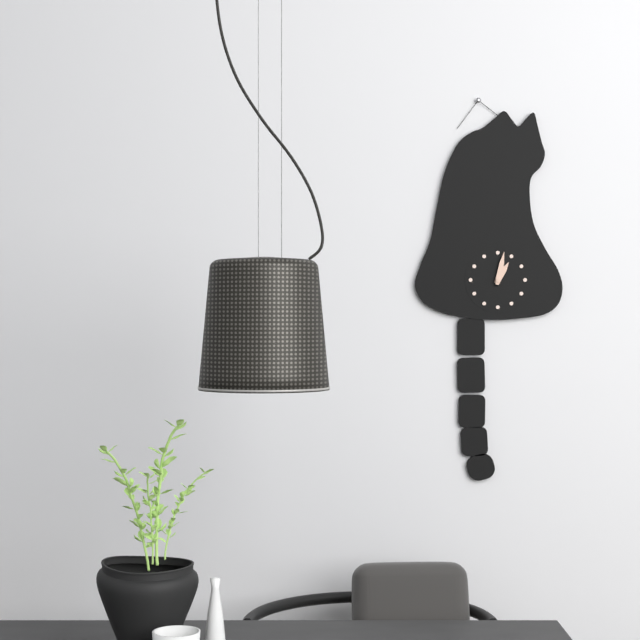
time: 1:02
